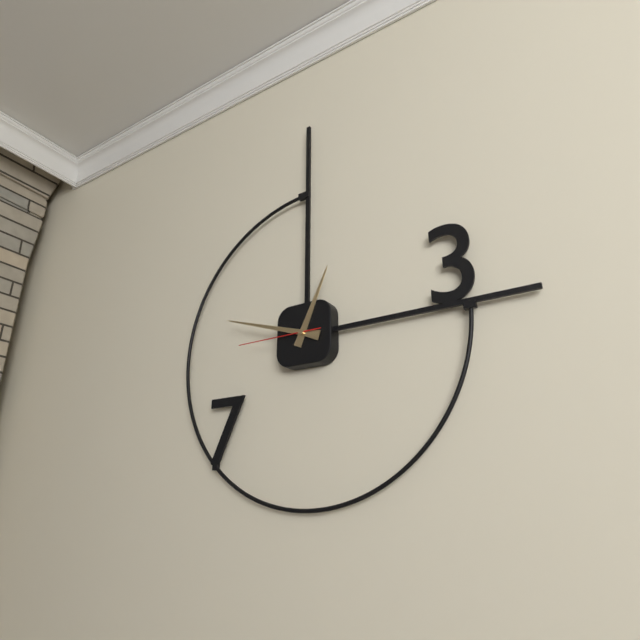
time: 12:48:45
